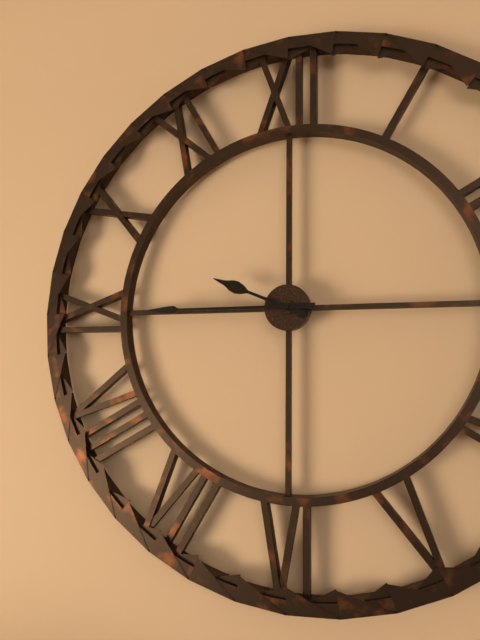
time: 9:45
